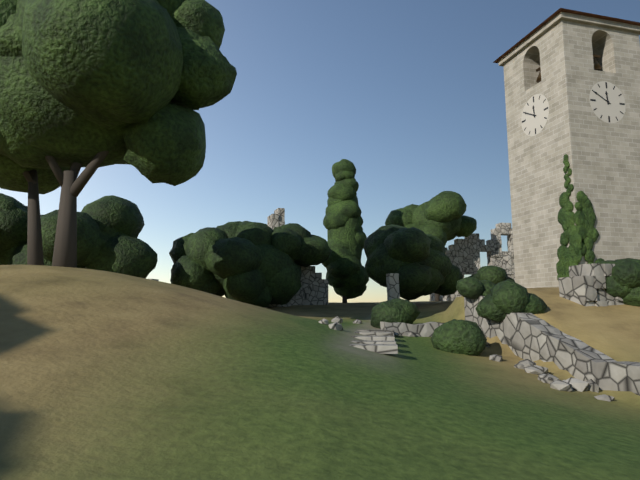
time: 11:50
